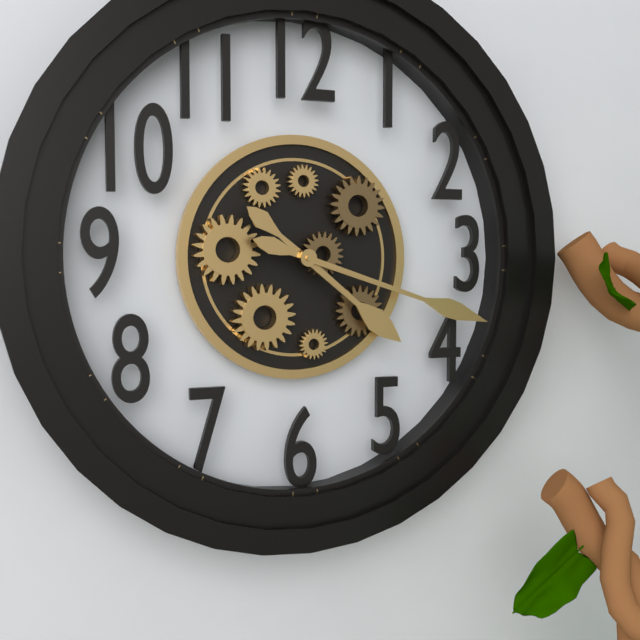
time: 4:18
